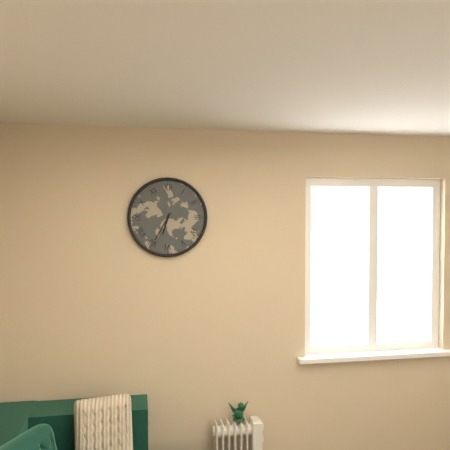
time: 6:35
